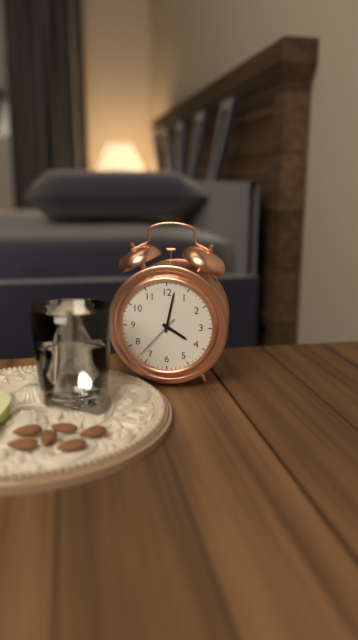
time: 4:02
